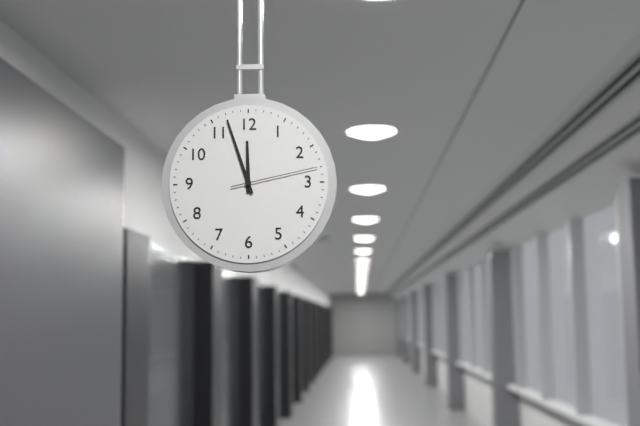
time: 11:57:13
